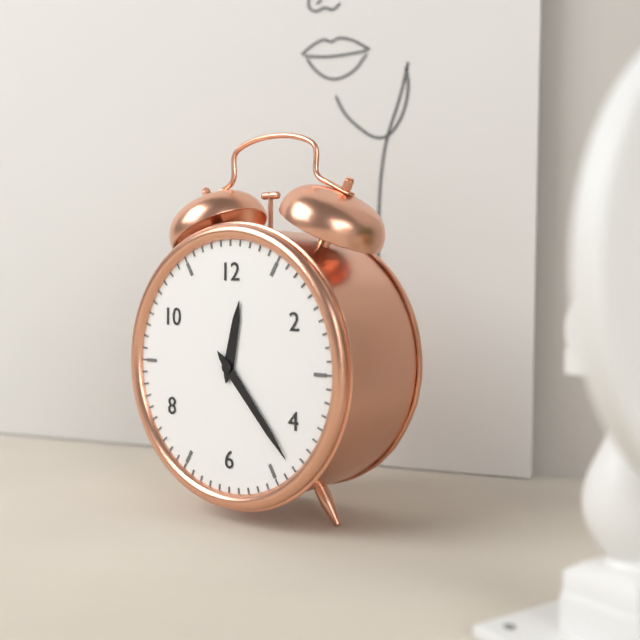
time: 12:23
